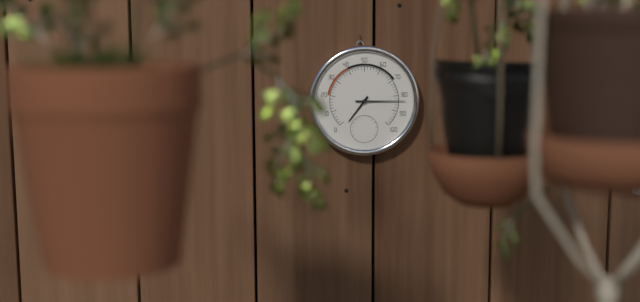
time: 7:15
